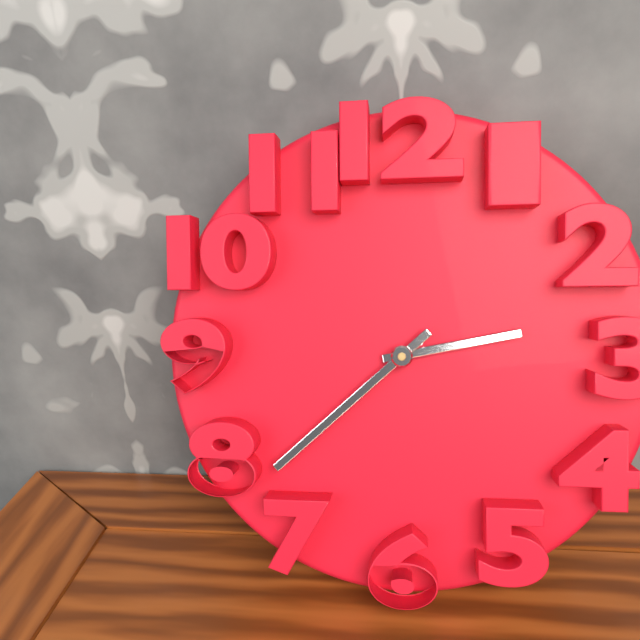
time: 2:38
